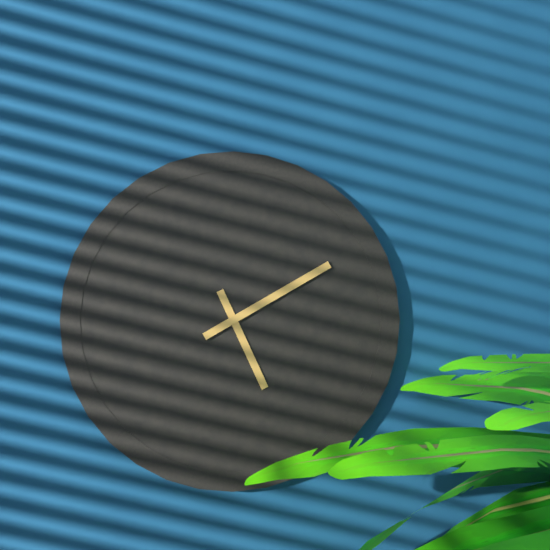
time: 5:10
